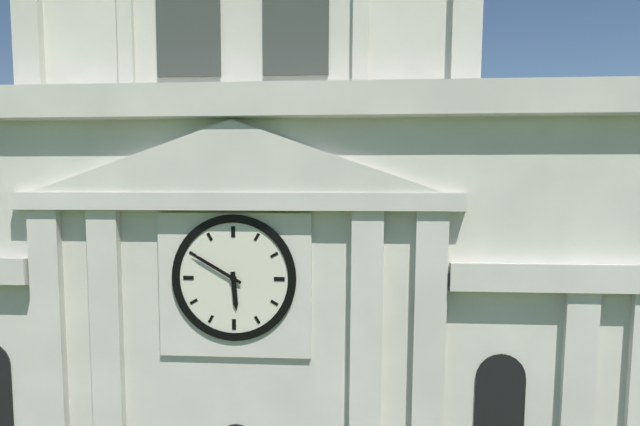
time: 5:50
